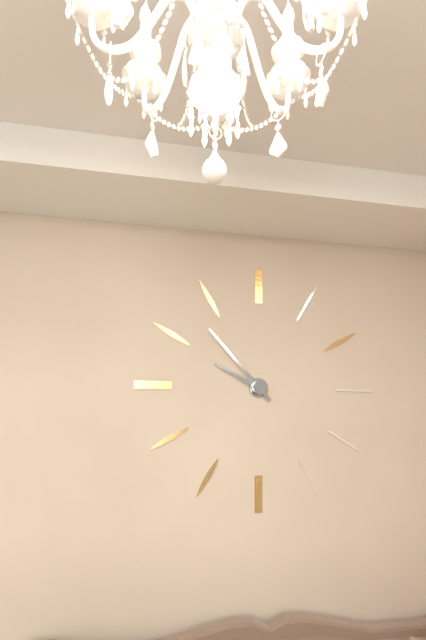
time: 9:53
